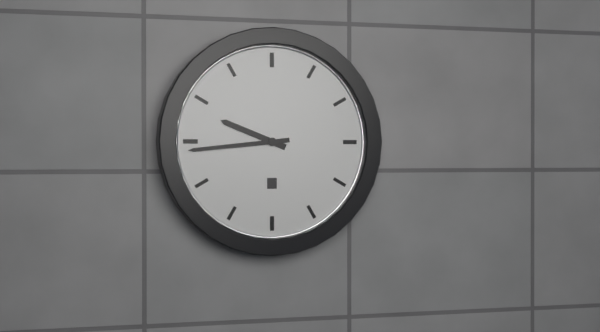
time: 9:44
